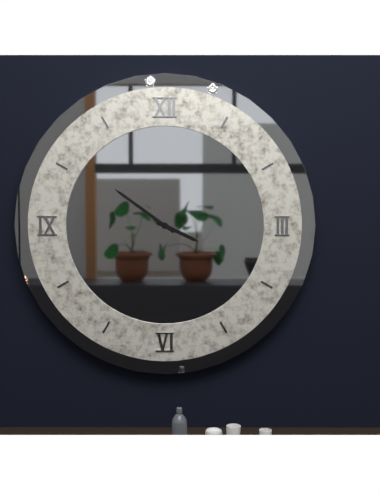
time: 3:51
